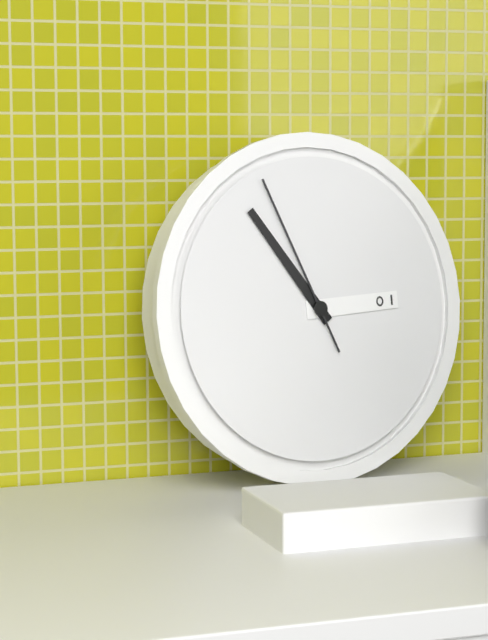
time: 2:54:56
